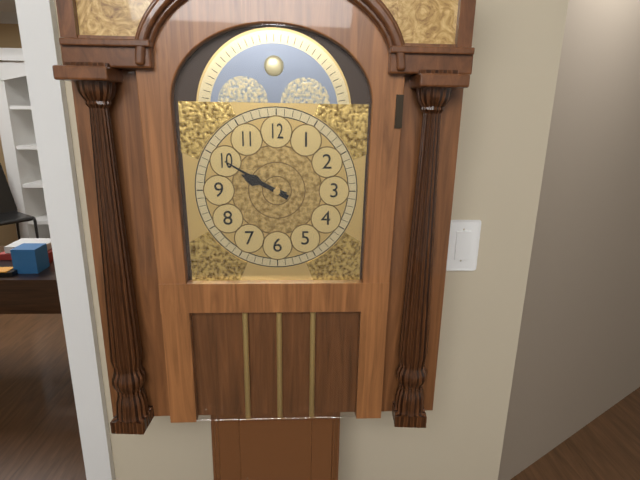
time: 9:50
